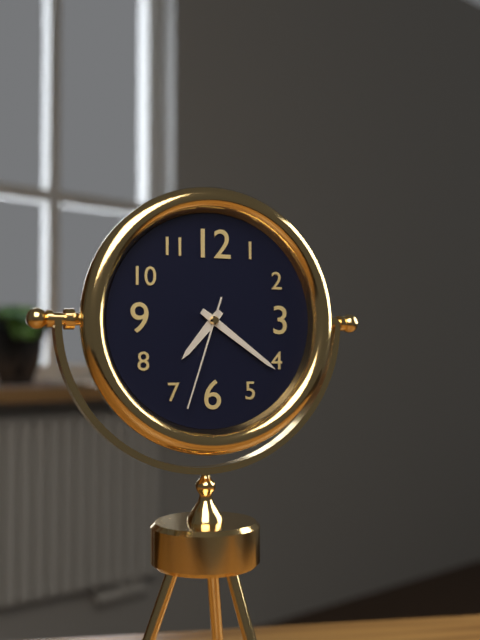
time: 7:21:33
